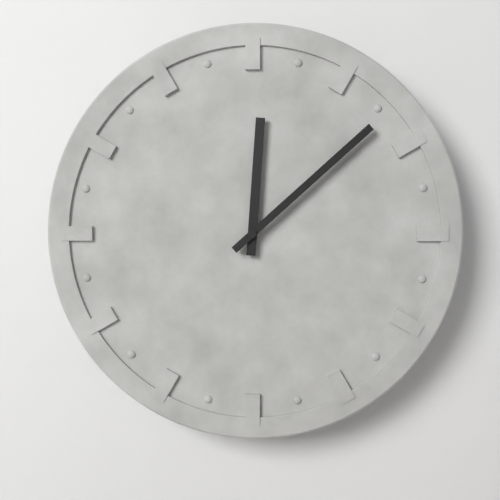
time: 12:08
